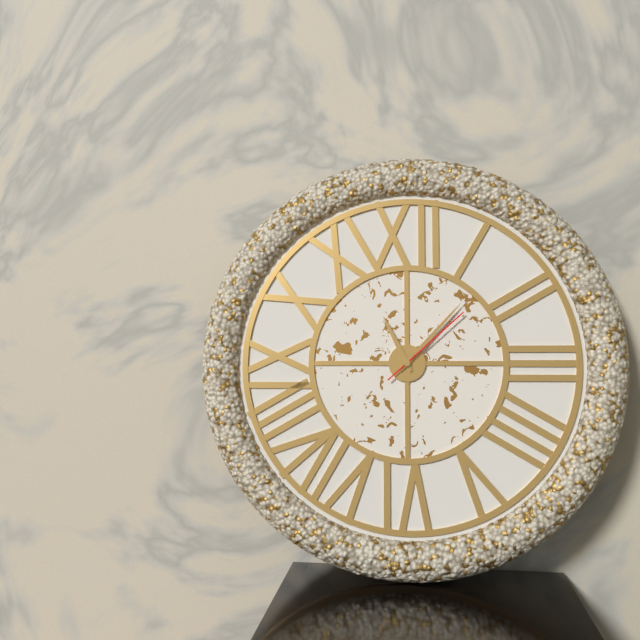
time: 11:07:08
